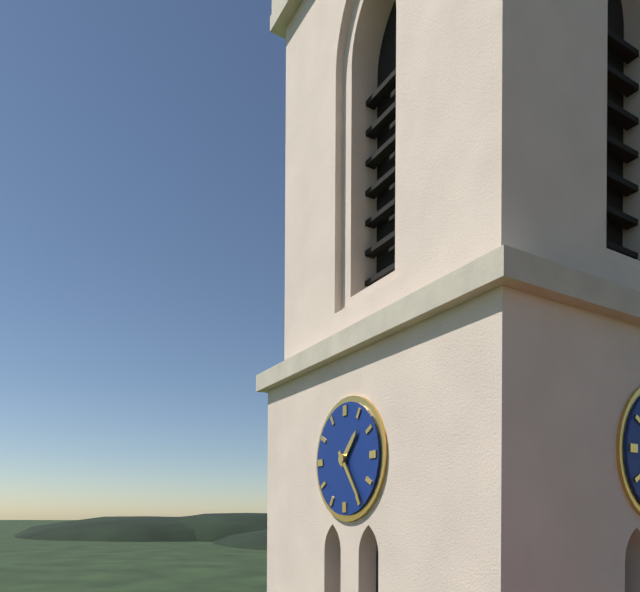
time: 1:24
